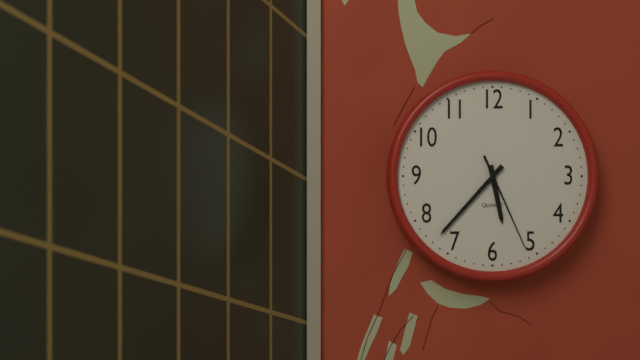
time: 5:37:26
